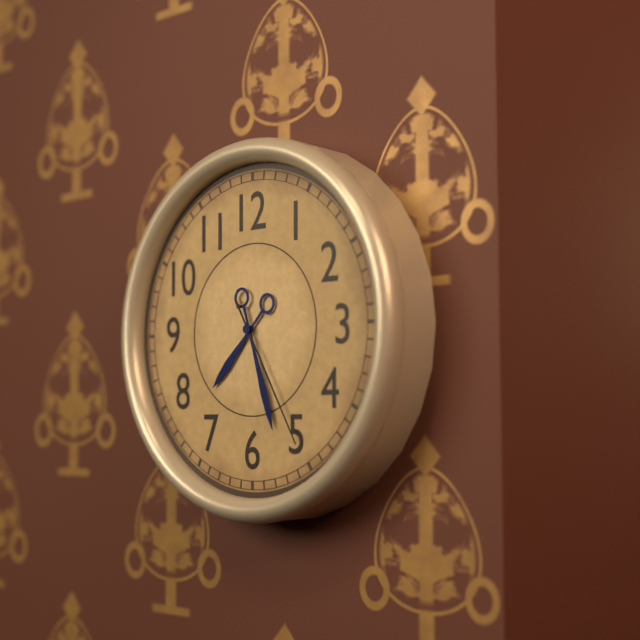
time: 7:27:25
